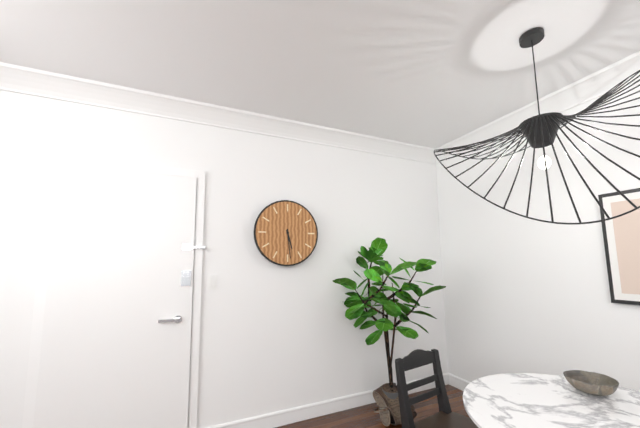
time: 5:29
